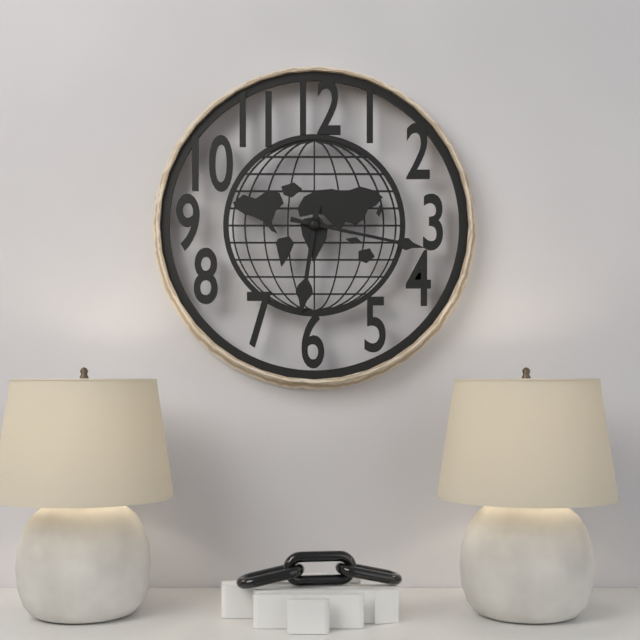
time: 6:17
